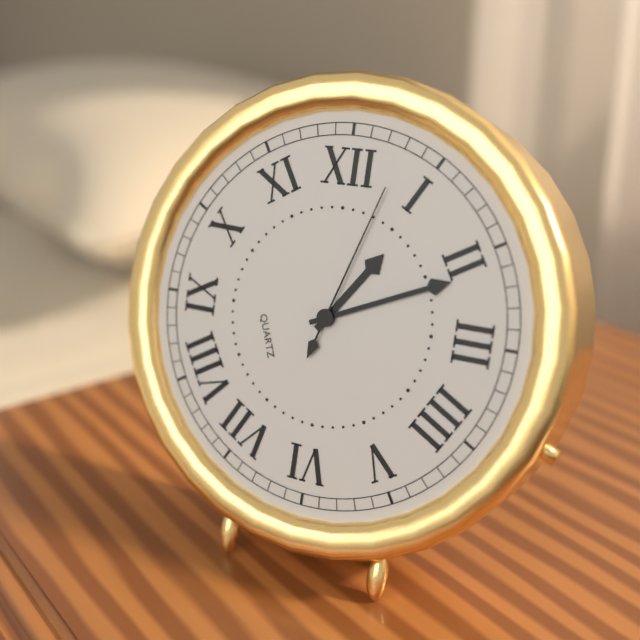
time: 1:11:03
